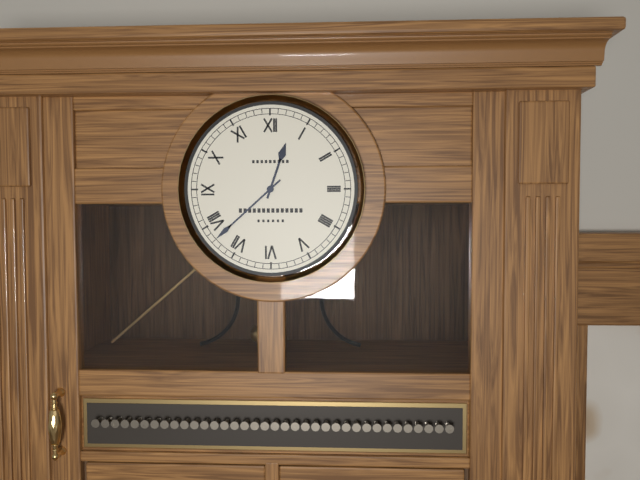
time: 12:38
